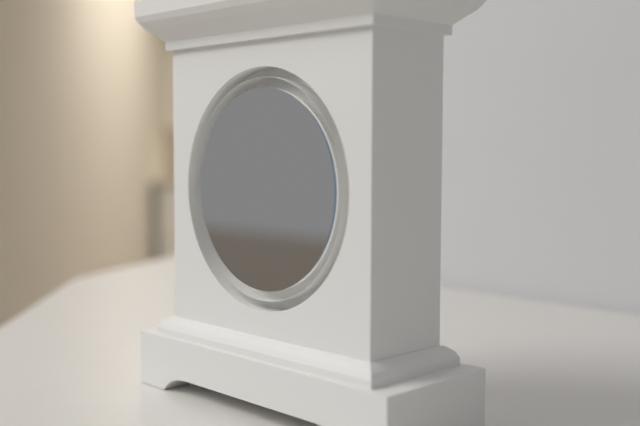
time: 9:45
